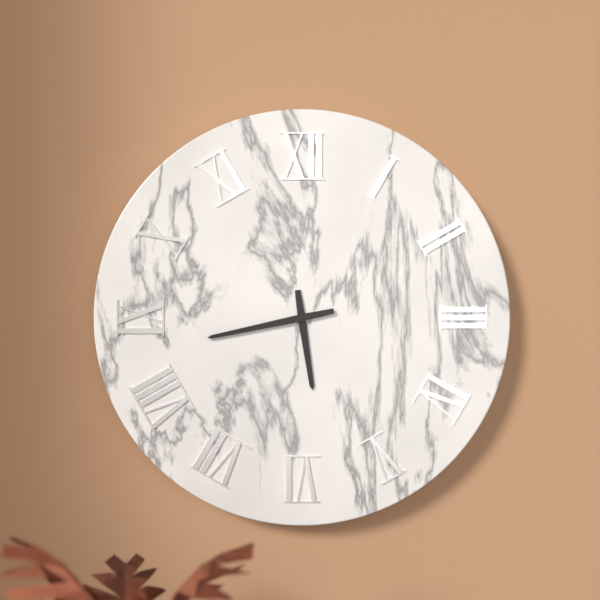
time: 5:43
